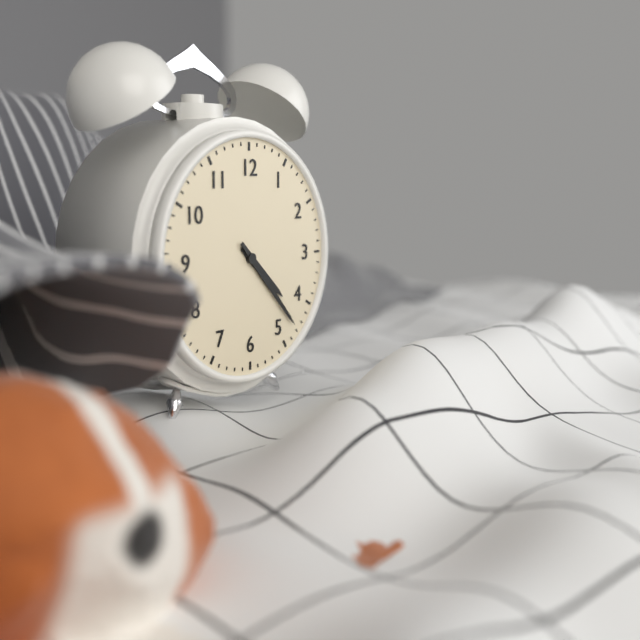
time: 4:23
